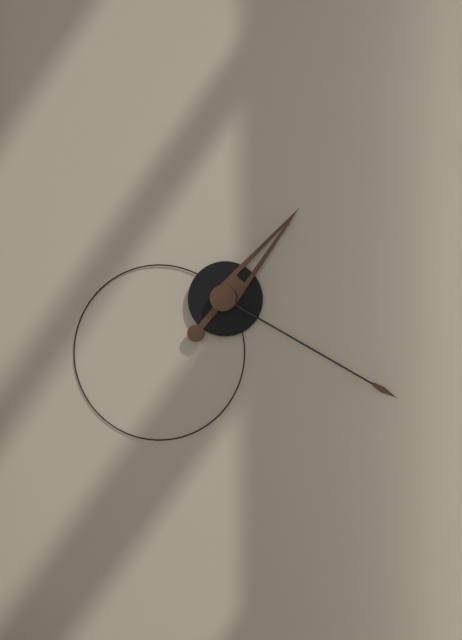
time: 1:20
